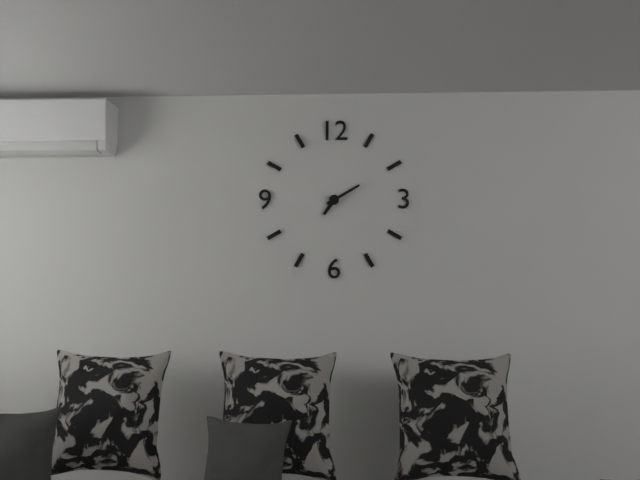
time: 7:10
